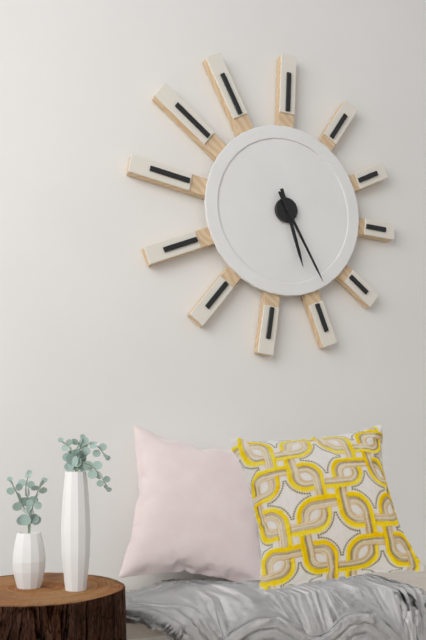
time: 5:25
